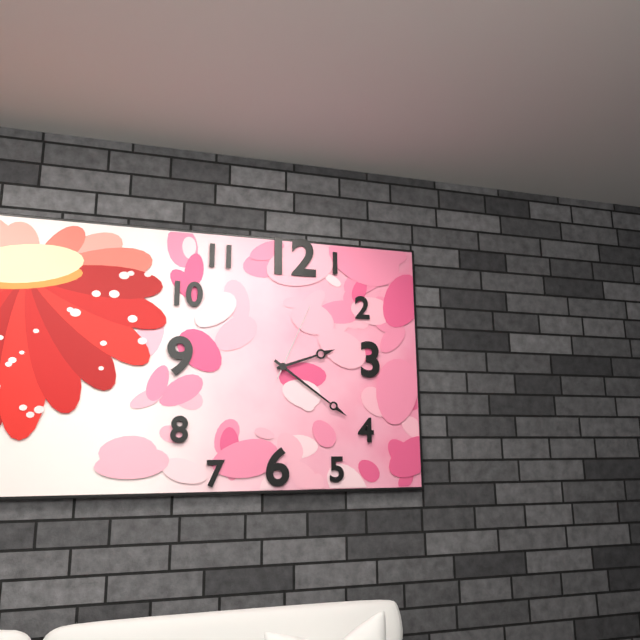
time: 2:21:04
